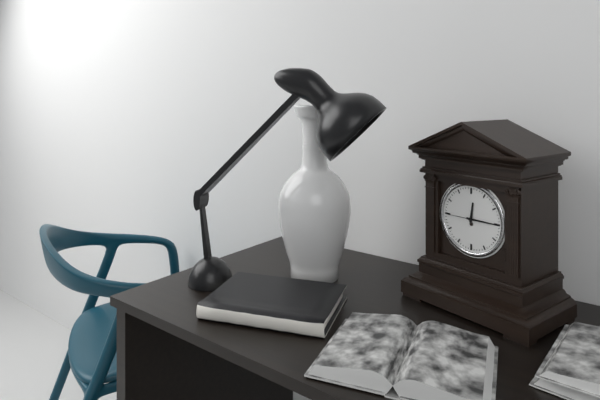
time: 12:15
